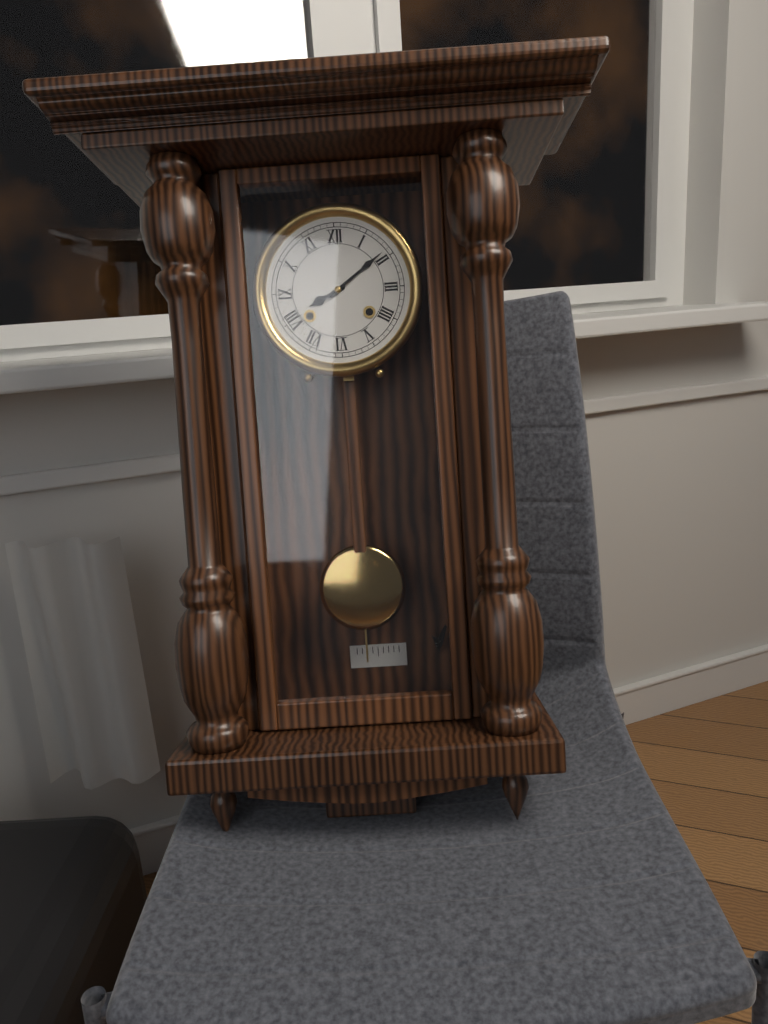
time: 8:09
